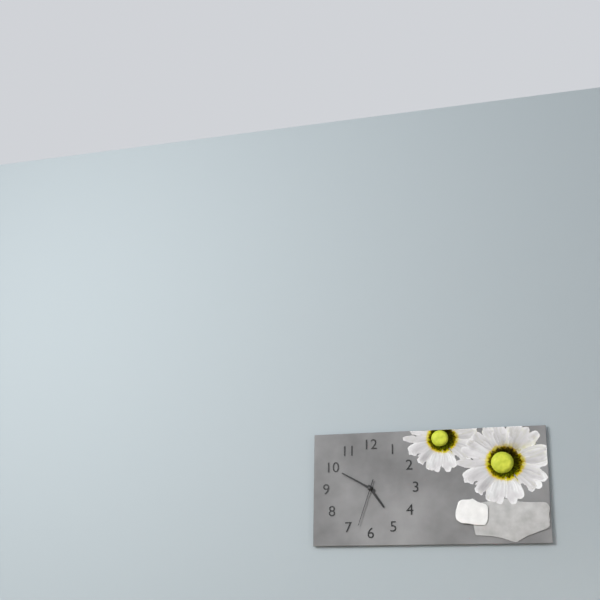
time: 4:50
